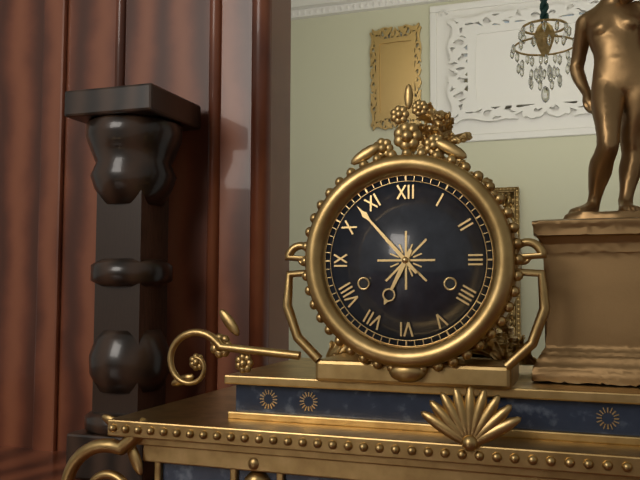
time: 6:53
